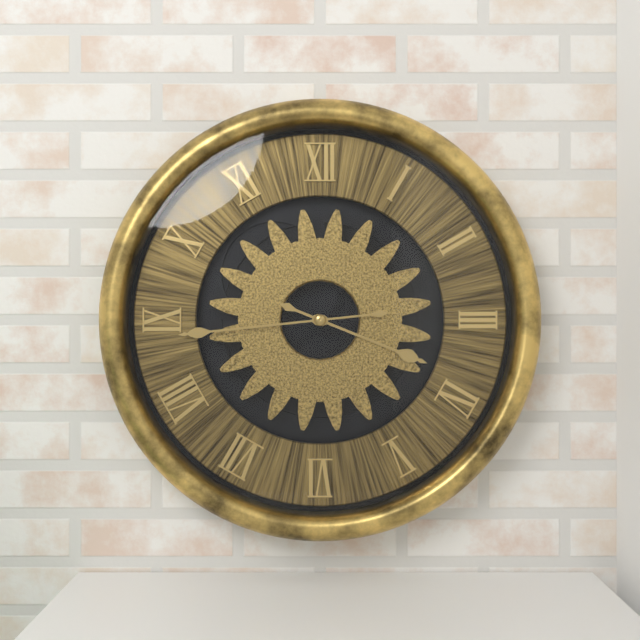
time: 3:44
